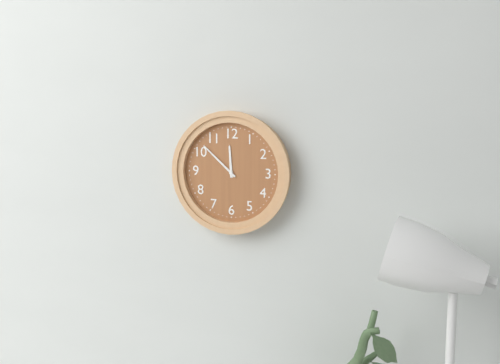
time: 11:52
